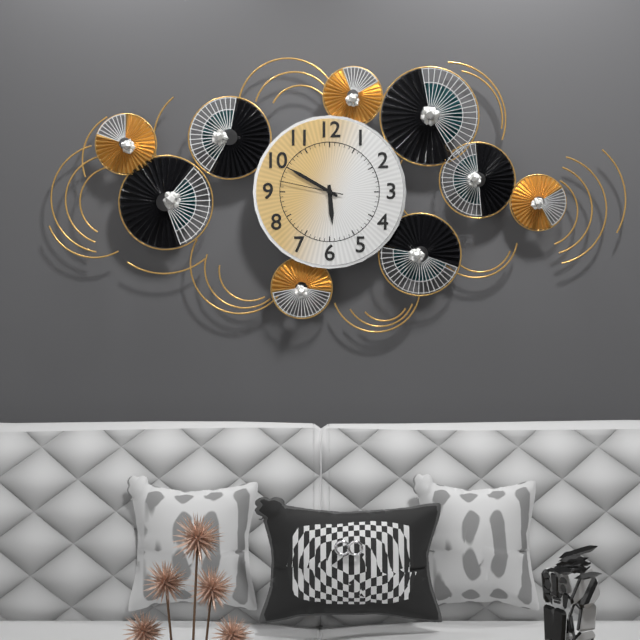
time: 5:50:47
